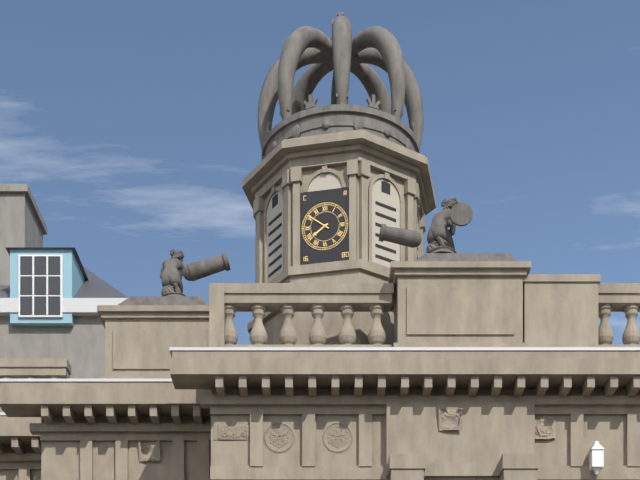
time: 7:51
